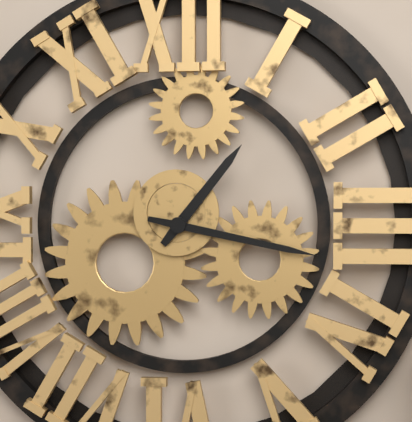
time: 1:17
